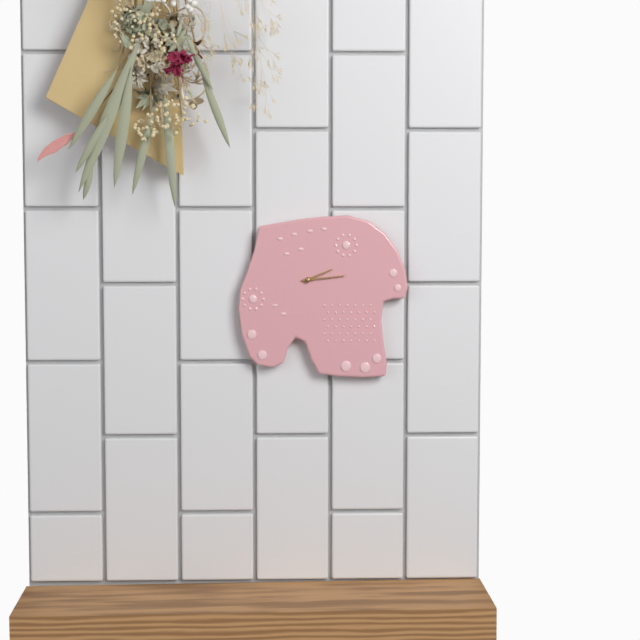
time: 2:14
